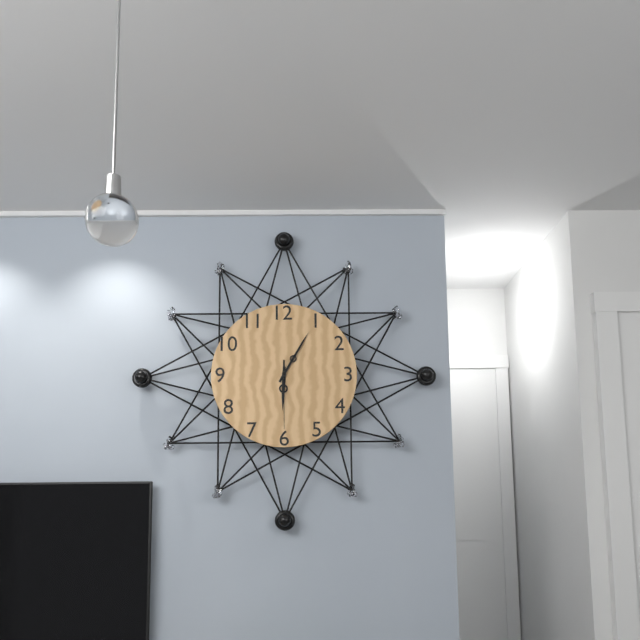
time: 6:05:30
